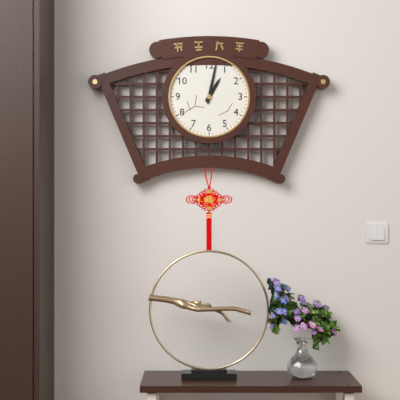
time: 1:02
